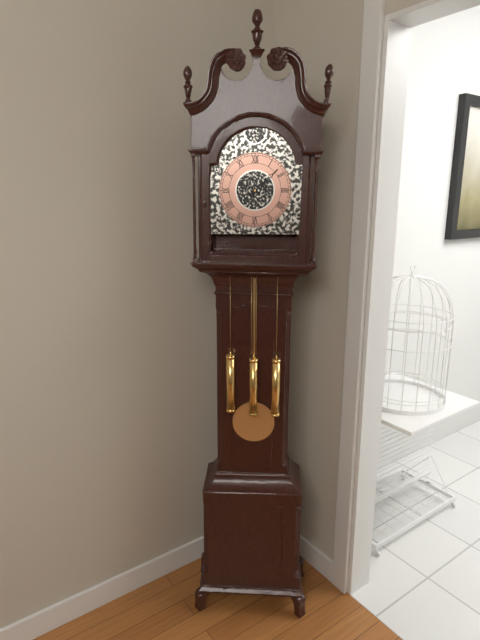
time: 10:08
